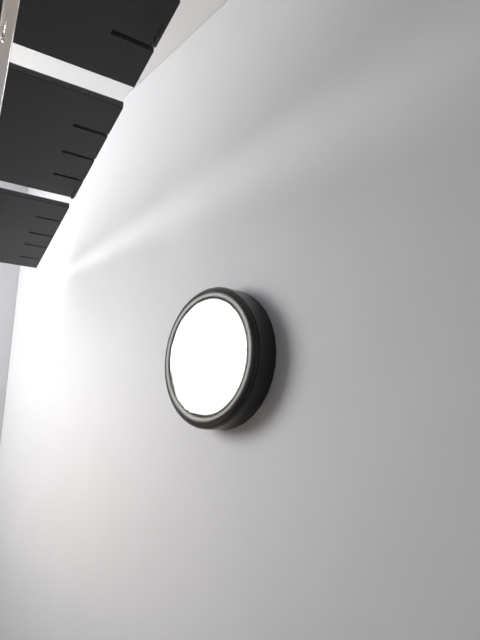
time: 10:15
